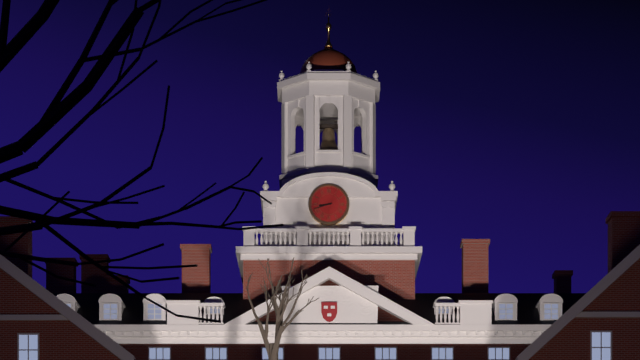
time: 8:42
